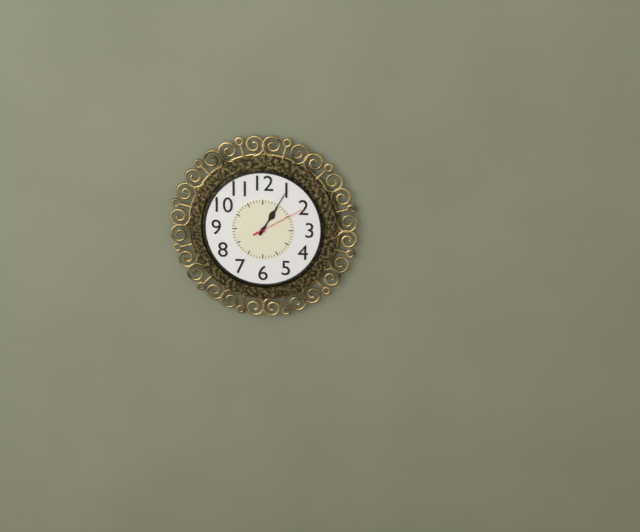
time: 1:05:10
